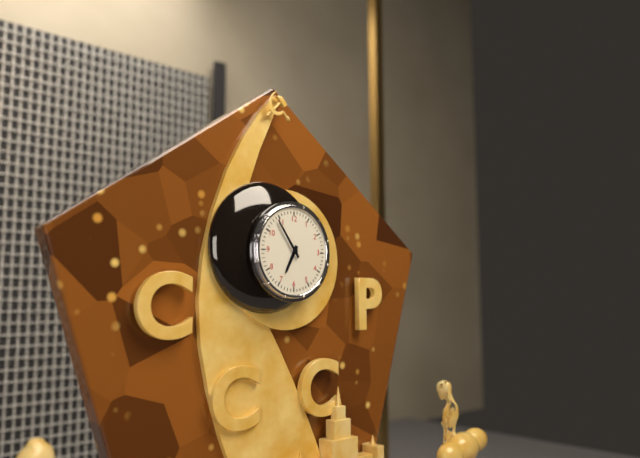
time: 6:54
